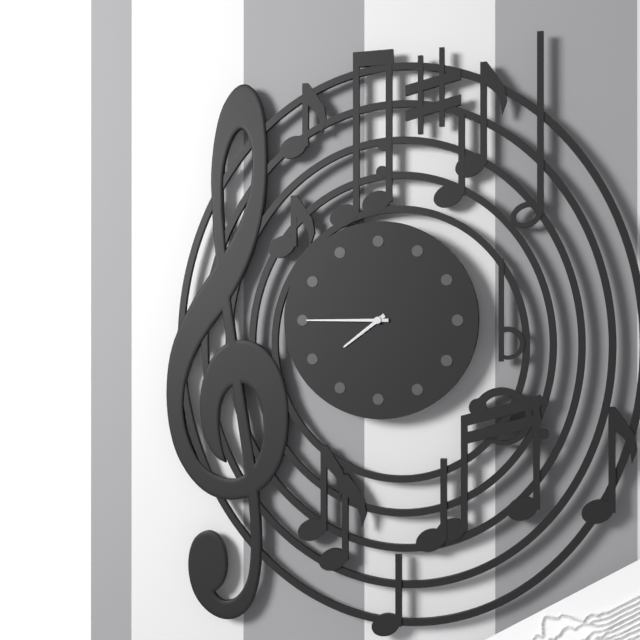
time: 7:45
